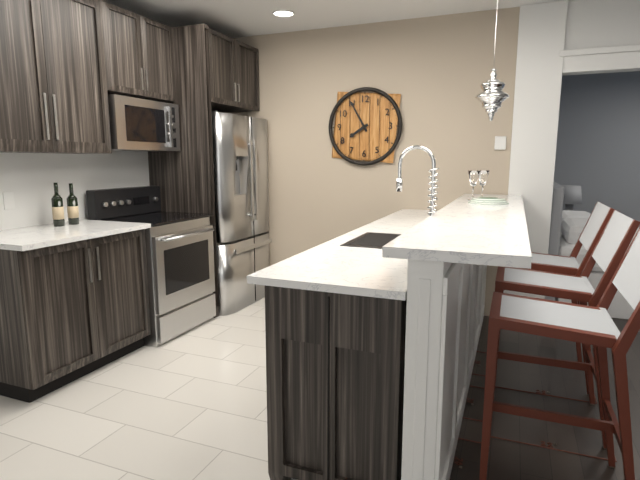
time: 7:55
